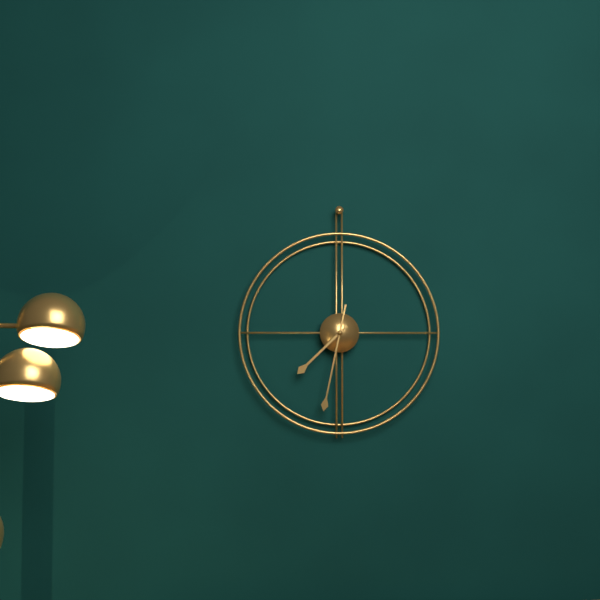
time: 7:32
